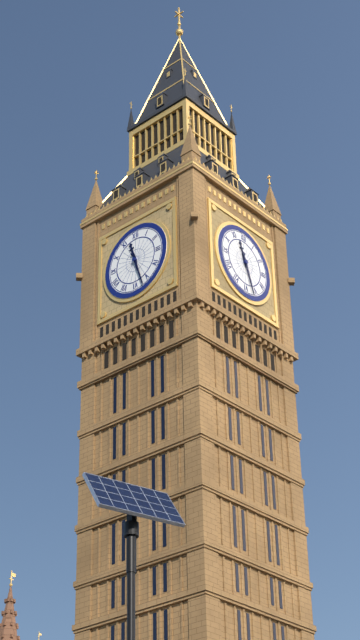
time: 11:27
